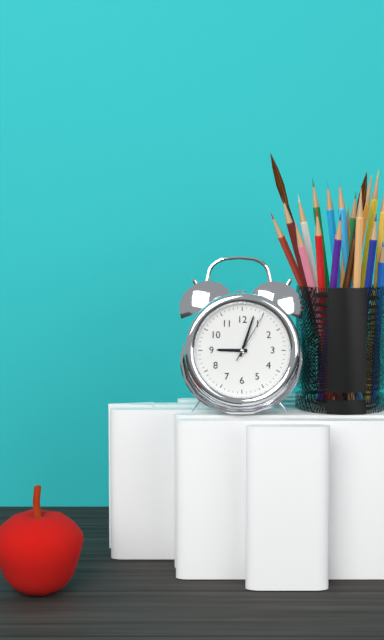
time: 9:03:05
